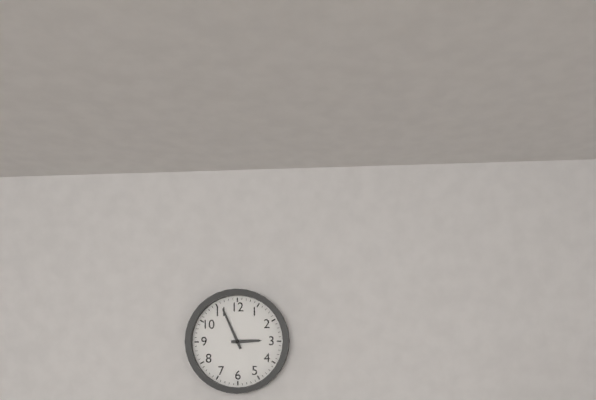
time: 2:56
